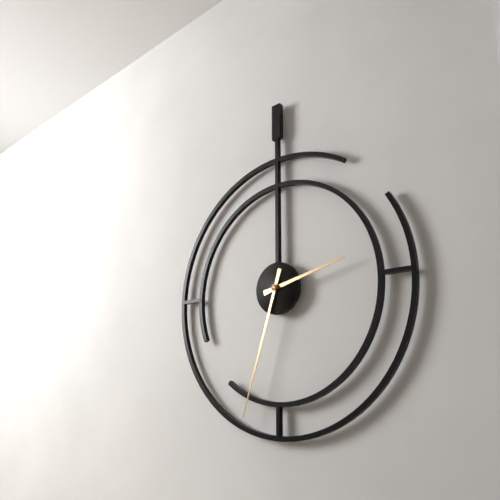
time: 2:33
